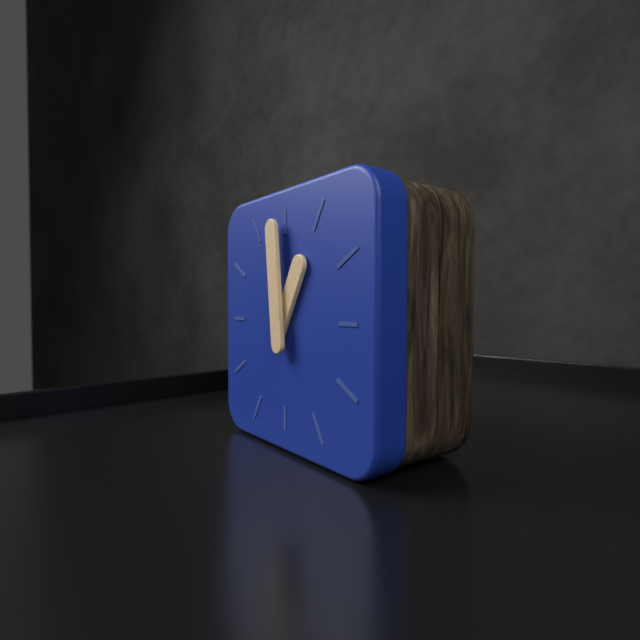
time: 12:59
